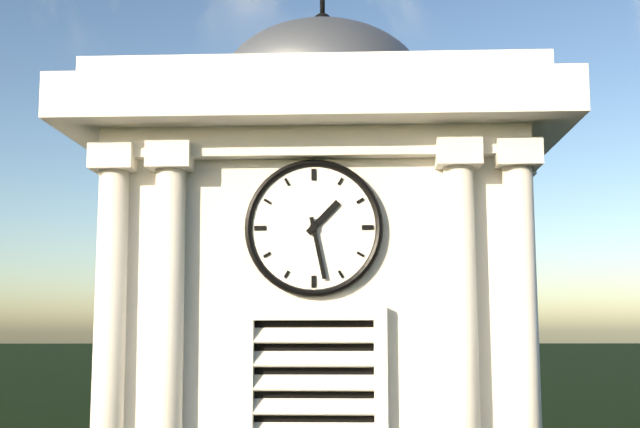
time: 1:28
